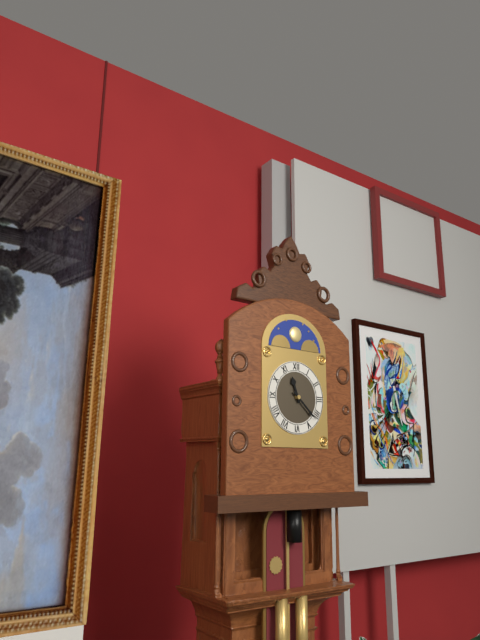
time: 11:22
